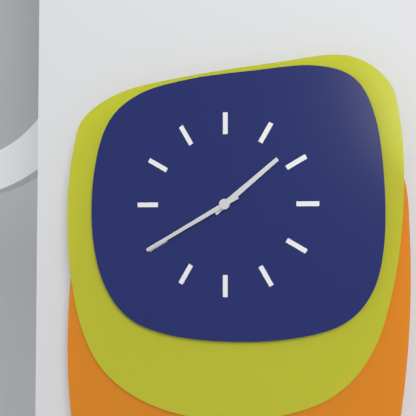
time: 1:40
